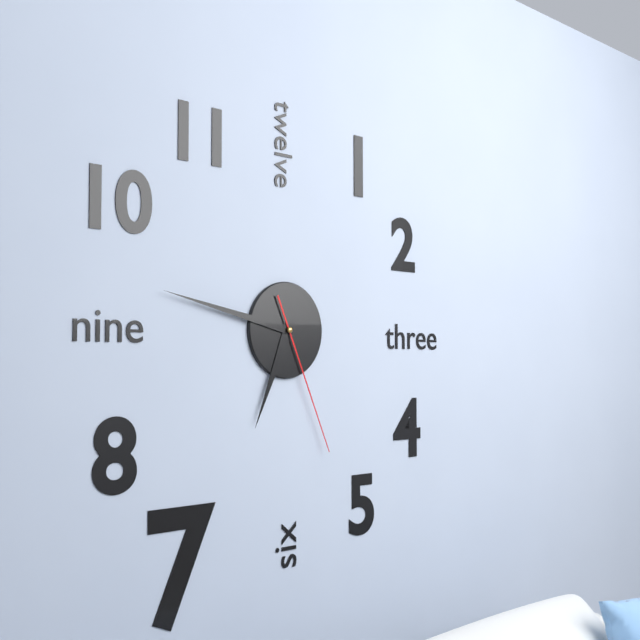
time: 6:47:26
